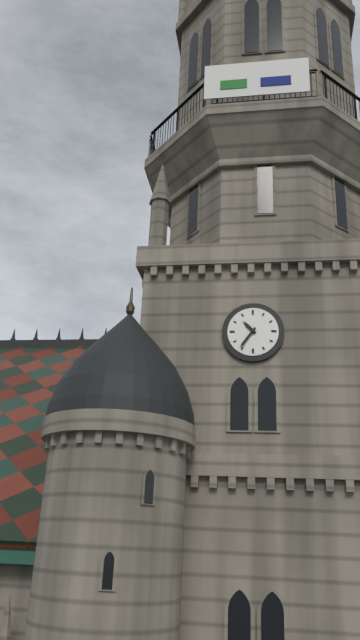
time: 10:36
